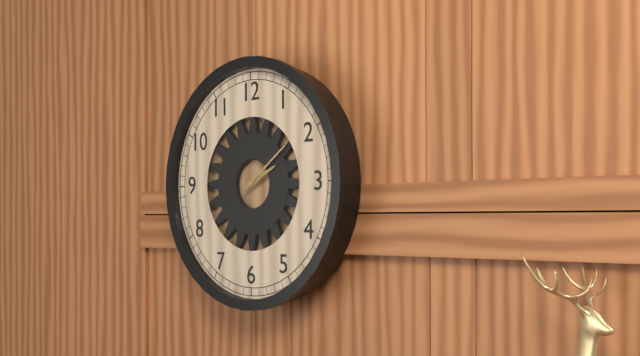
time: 2:09
